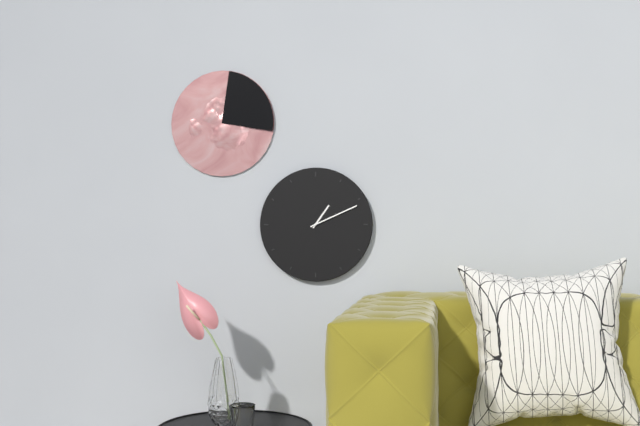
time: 1:11
